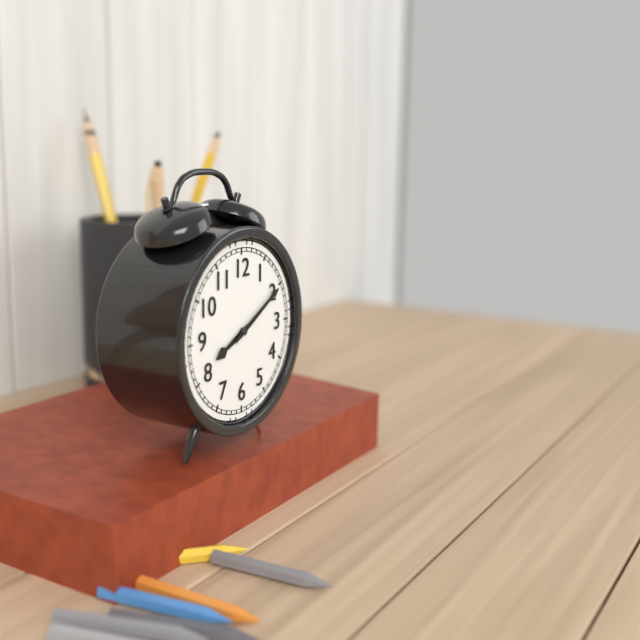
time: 8:10
